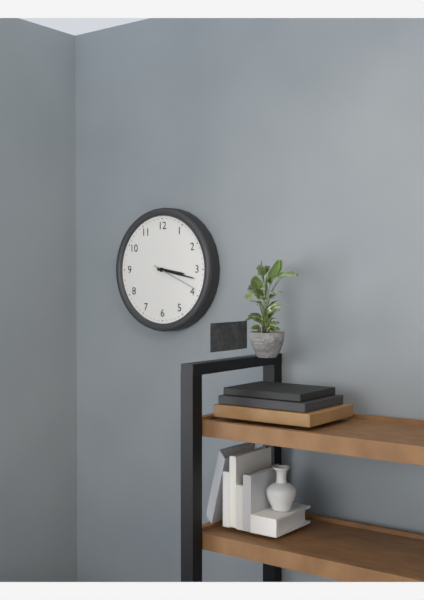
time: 3:17:19
